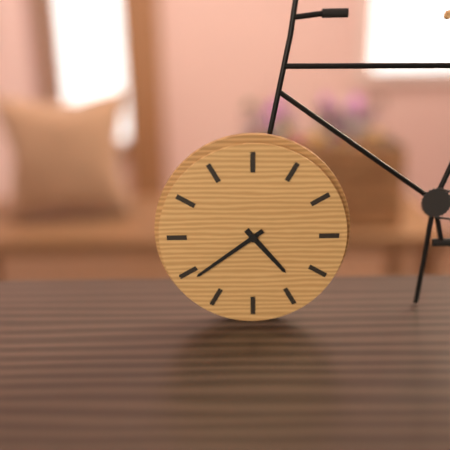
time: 4:39
